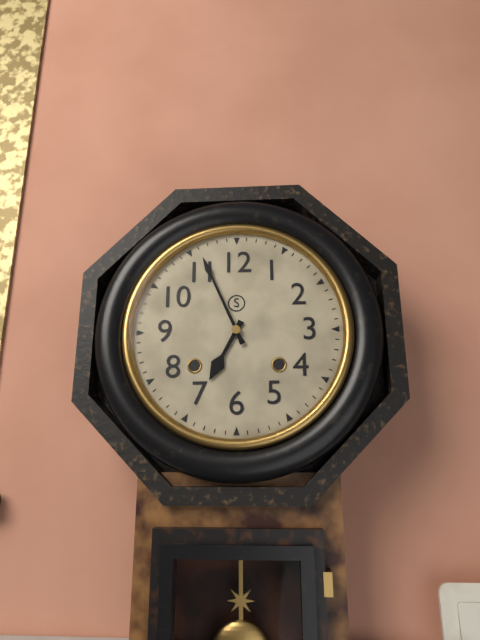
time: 6:56
